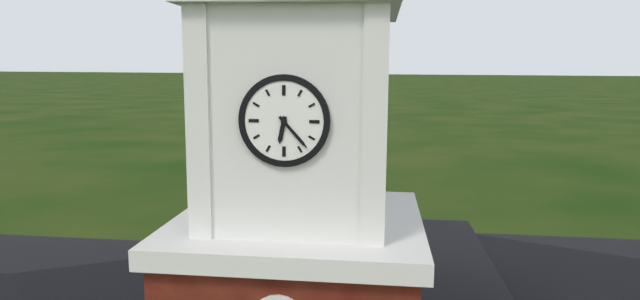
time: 6:23
